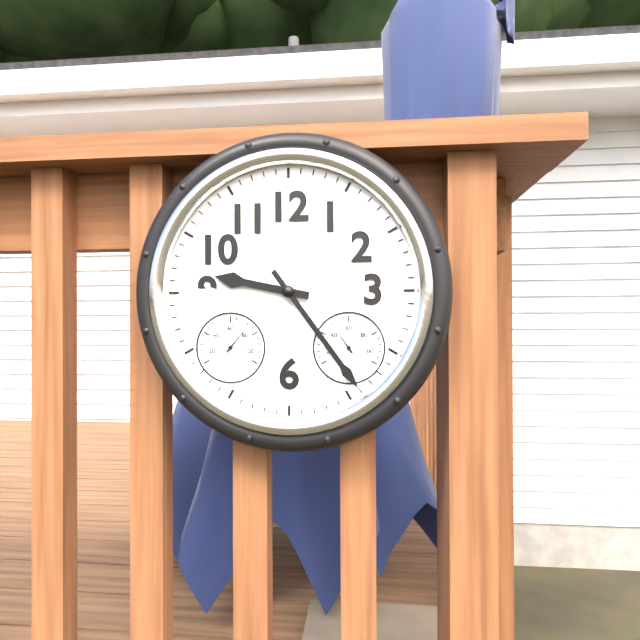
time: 9:24
